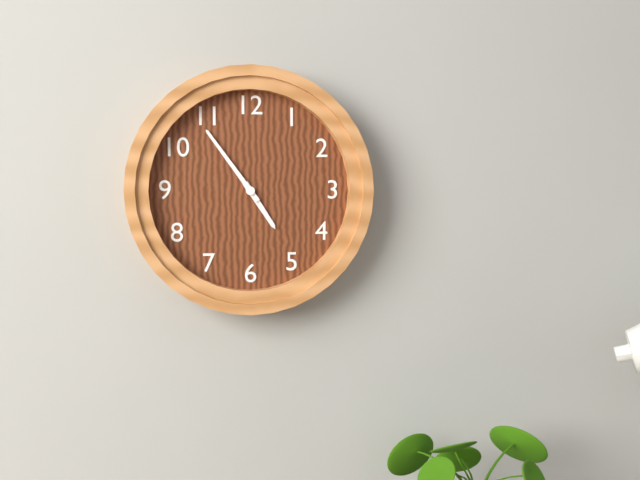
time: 4:54
